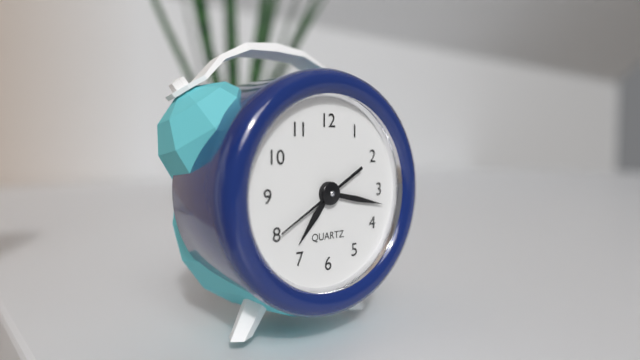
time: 7:17:40
